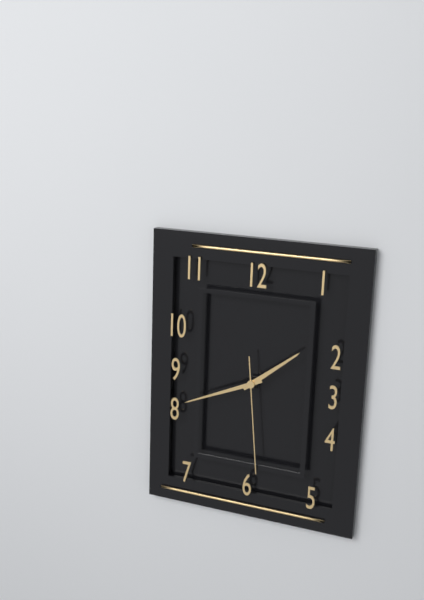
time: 1:41:29
